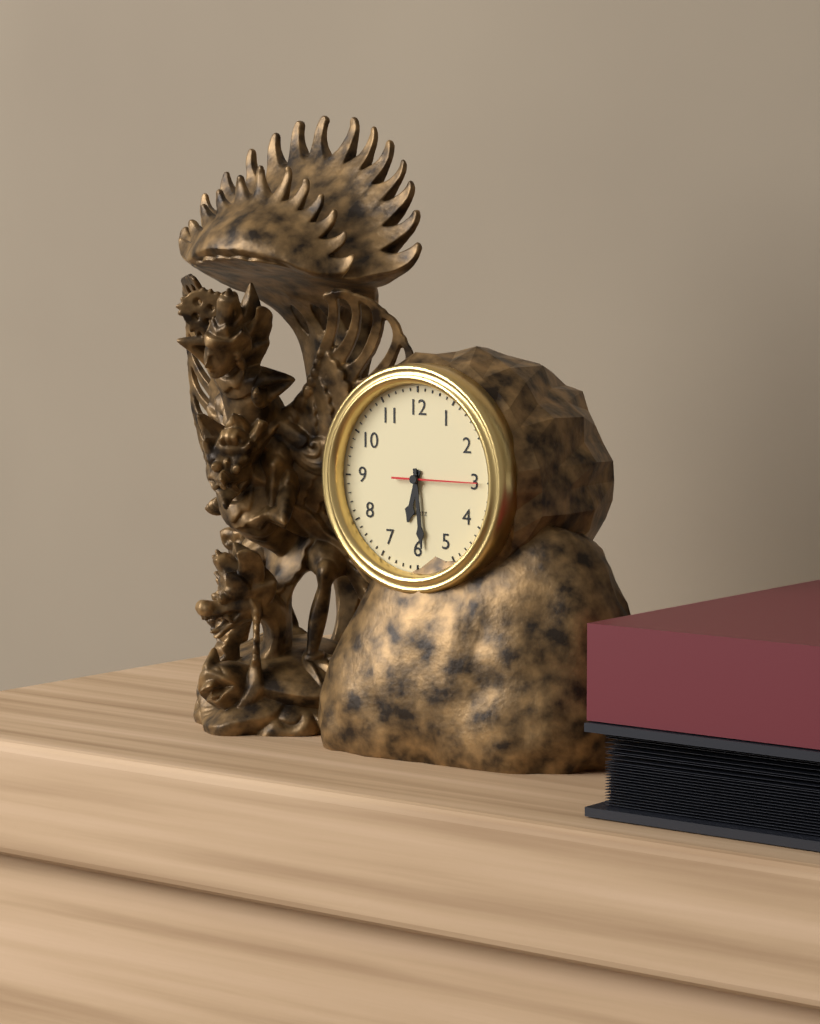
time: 6:29:15
